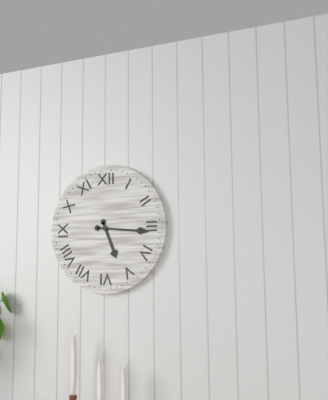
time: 5:16
